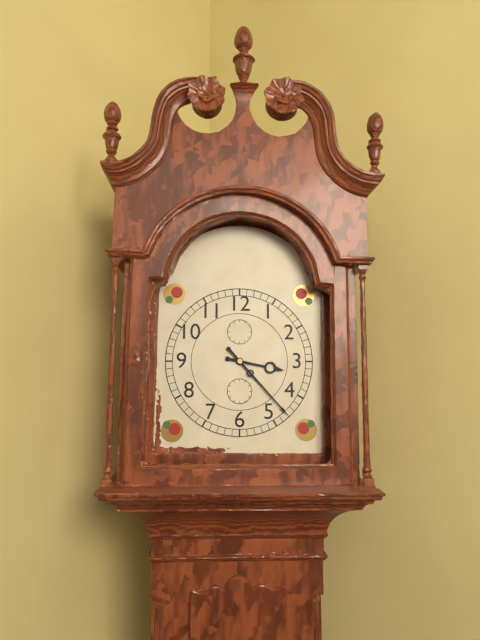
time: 3:23
